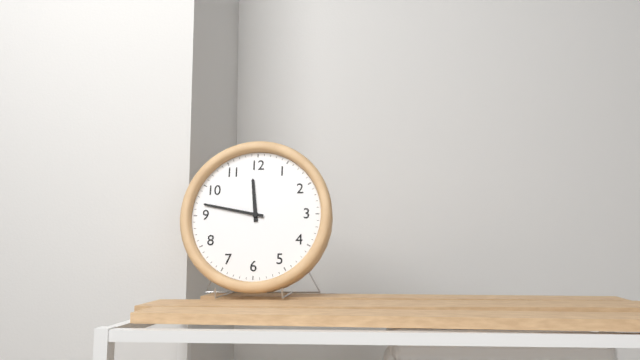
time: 11:47
